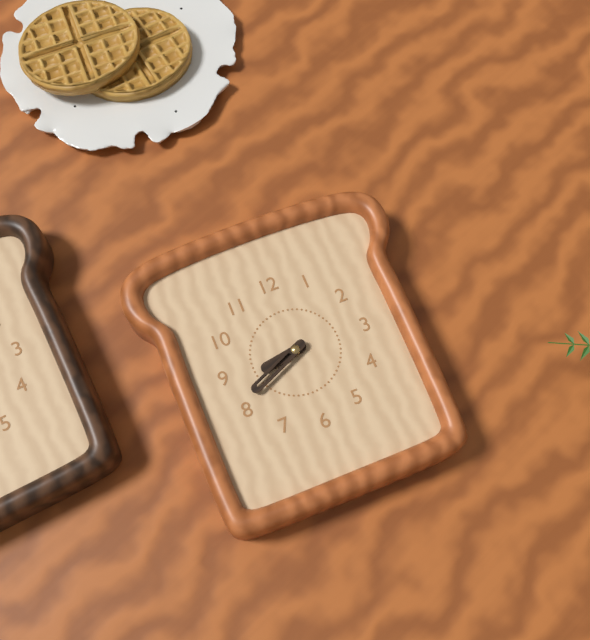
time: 8:41
